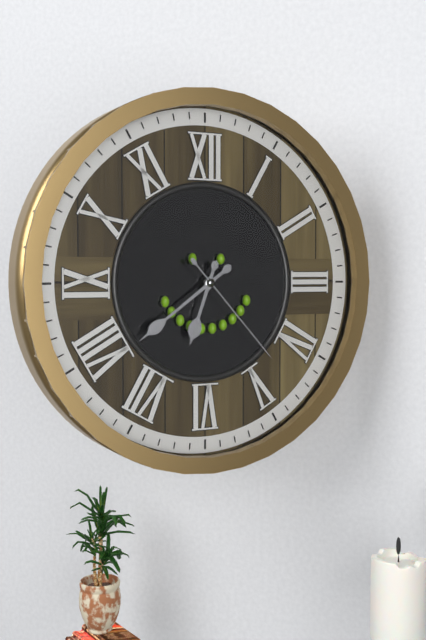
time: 6:39:23
